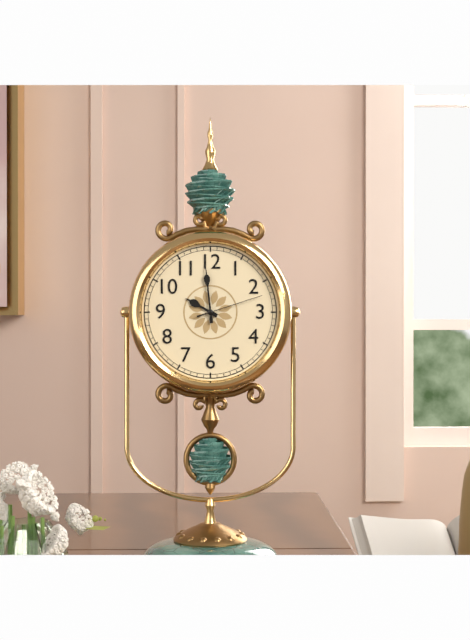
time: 9:59:12
